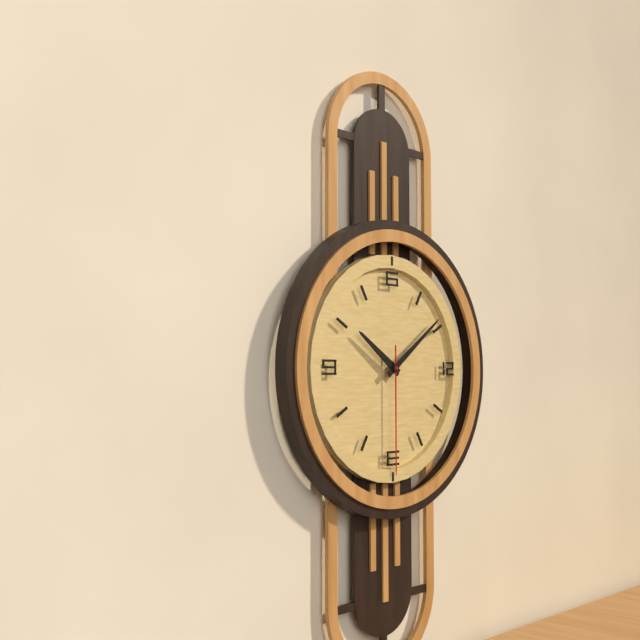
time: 10:09:30
